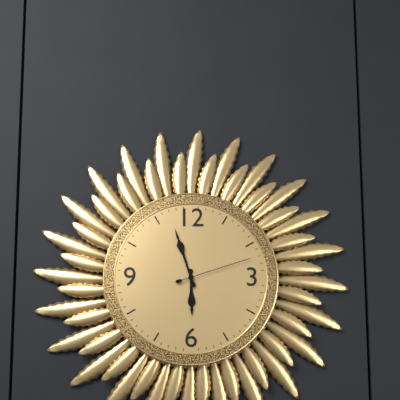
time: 5:57:12
